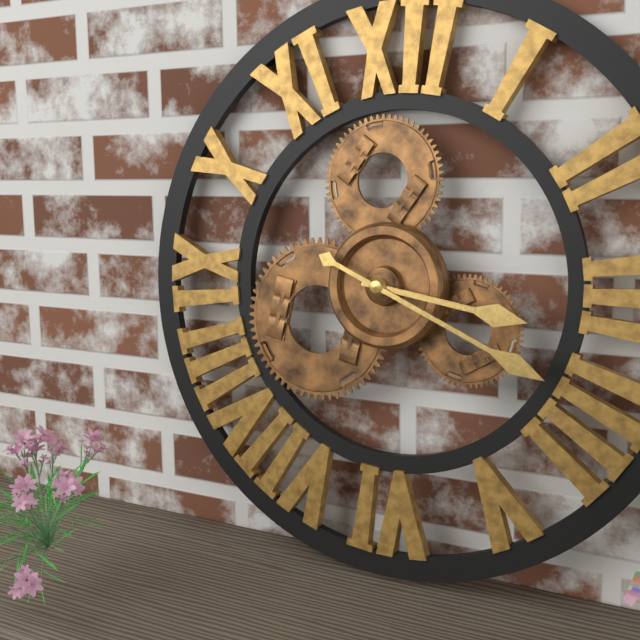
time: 3:19
